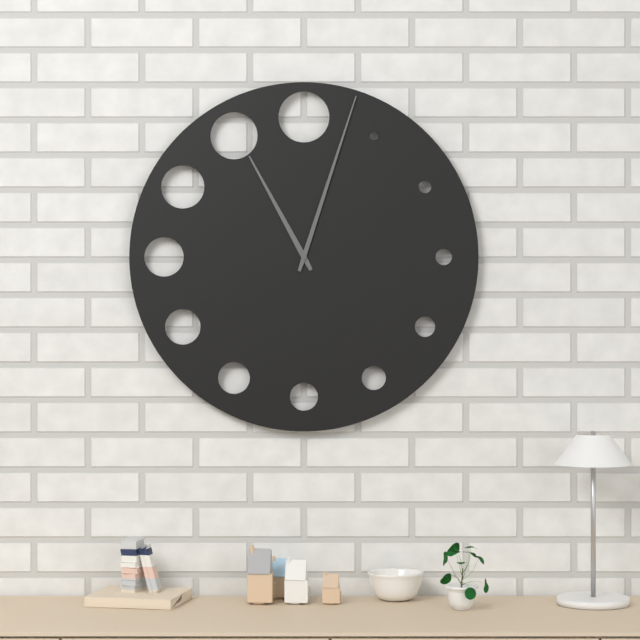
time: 11:03
